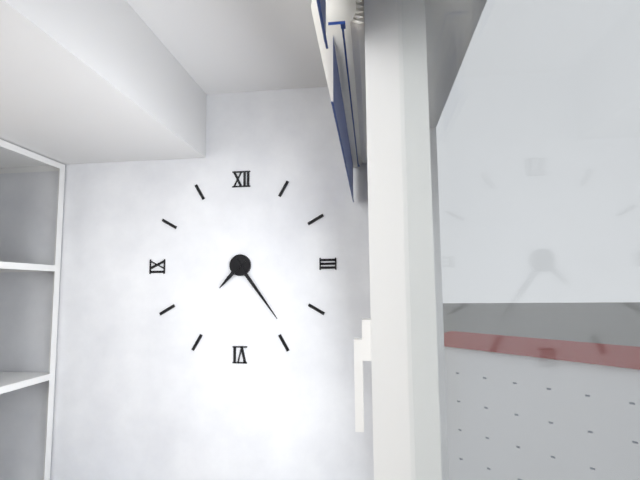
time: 7:24
